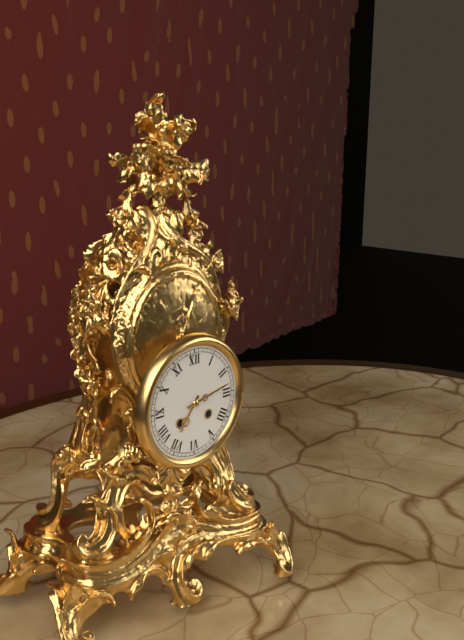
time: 7:13
